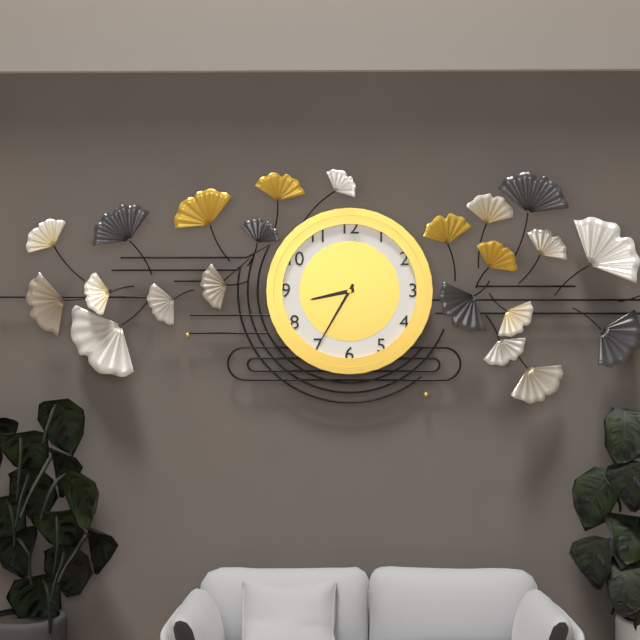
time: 8:35
